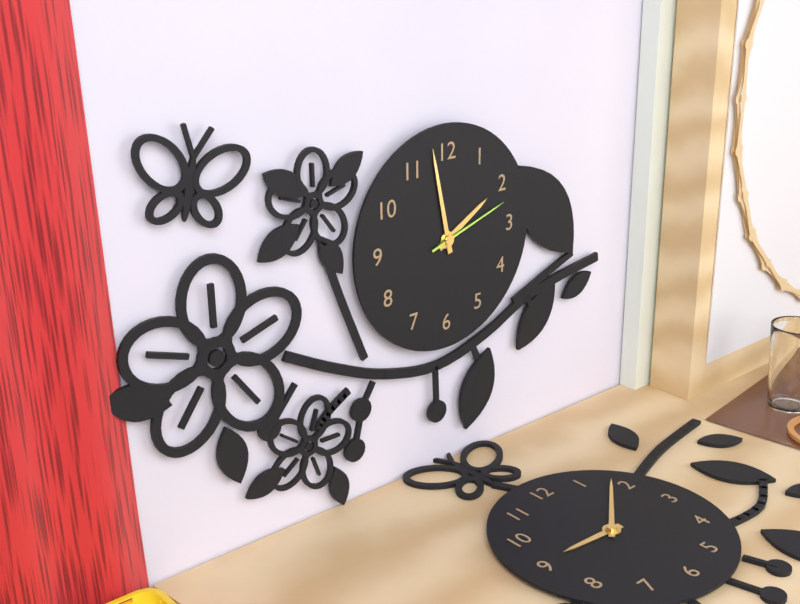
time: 1:58:12
